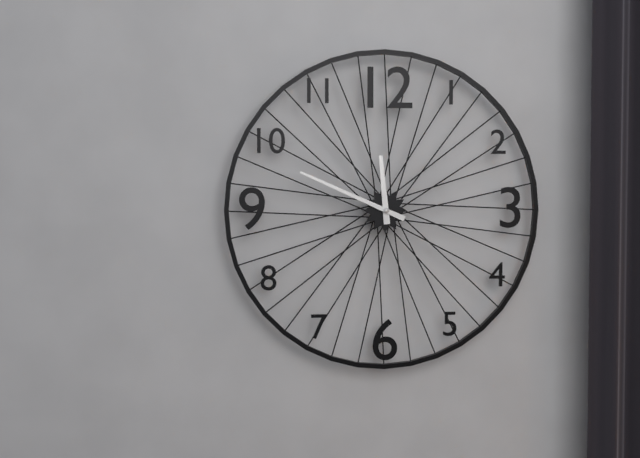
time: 11:49
